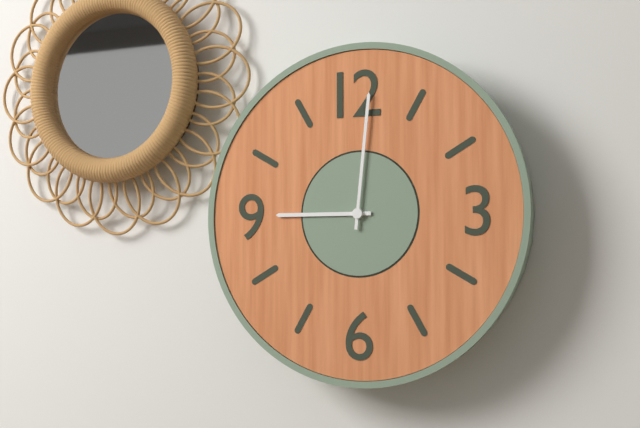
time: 9:01
